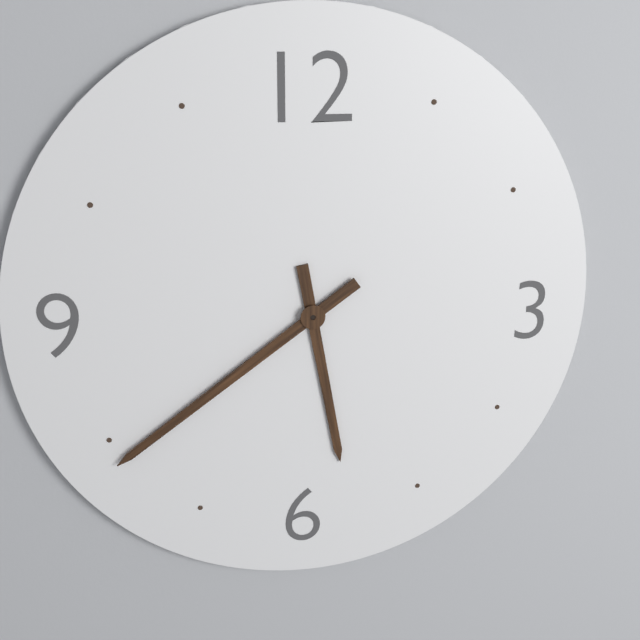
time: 5:39
